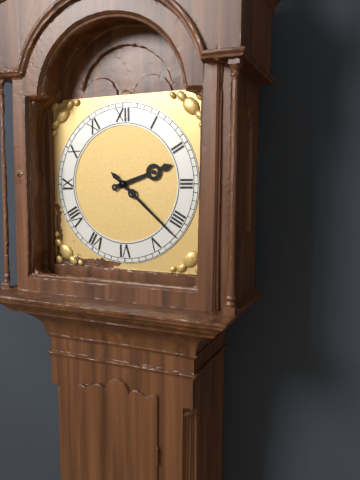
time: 2:22
